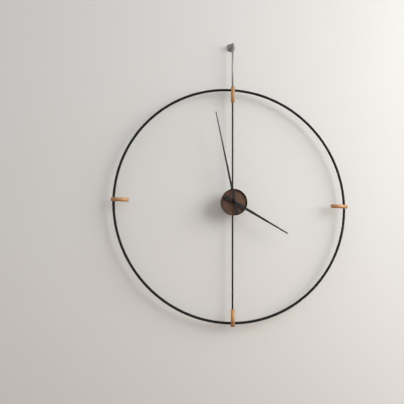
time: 3:58
